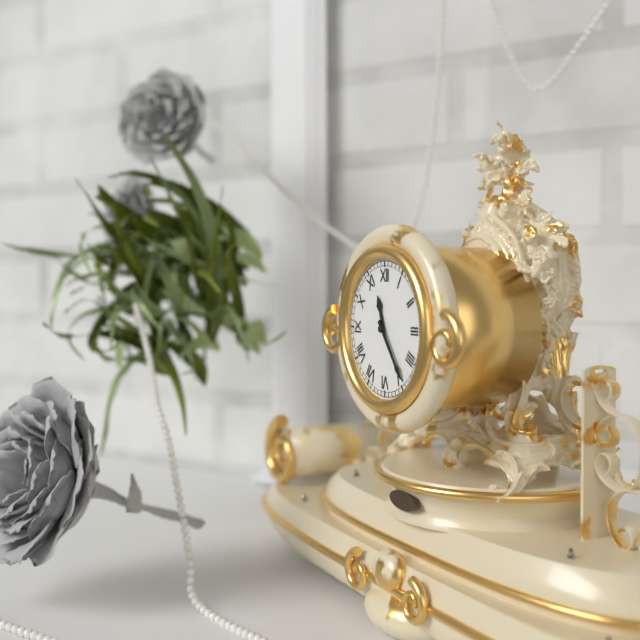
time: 11:24
